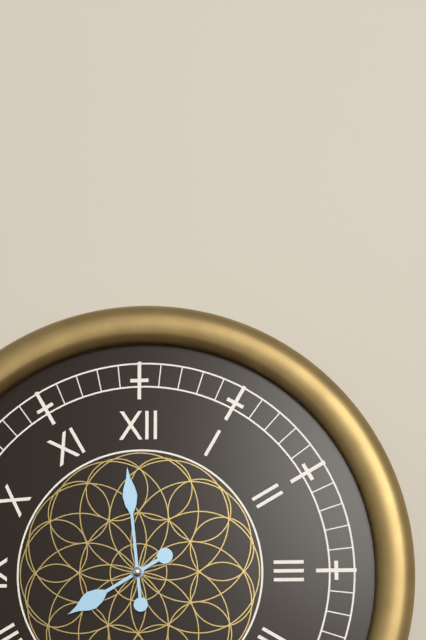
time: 7:59
